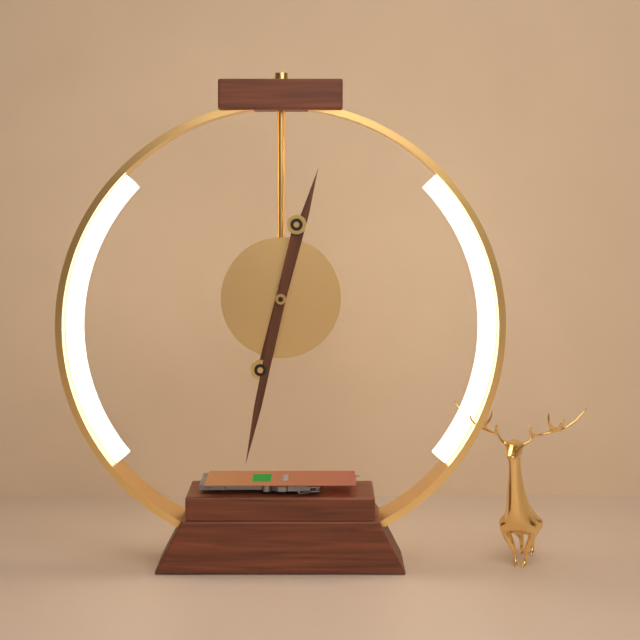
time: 12:32
